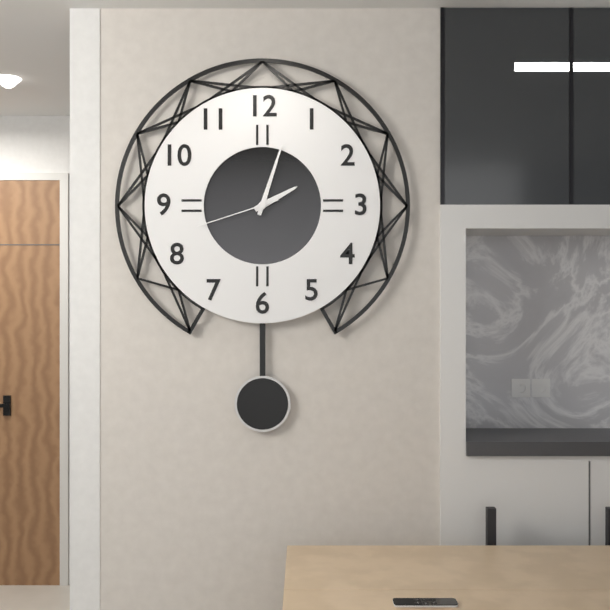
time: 2:03:42
